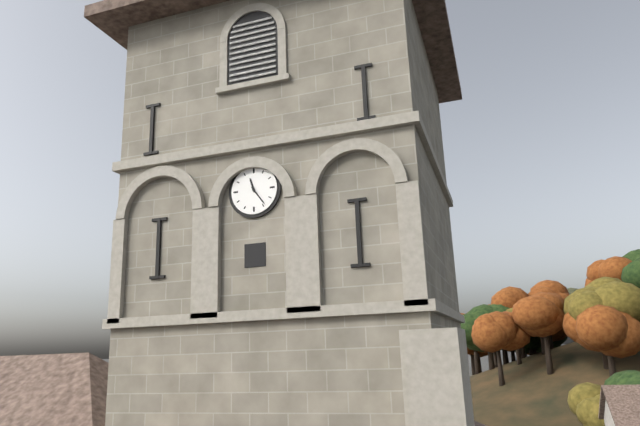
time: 11:24
